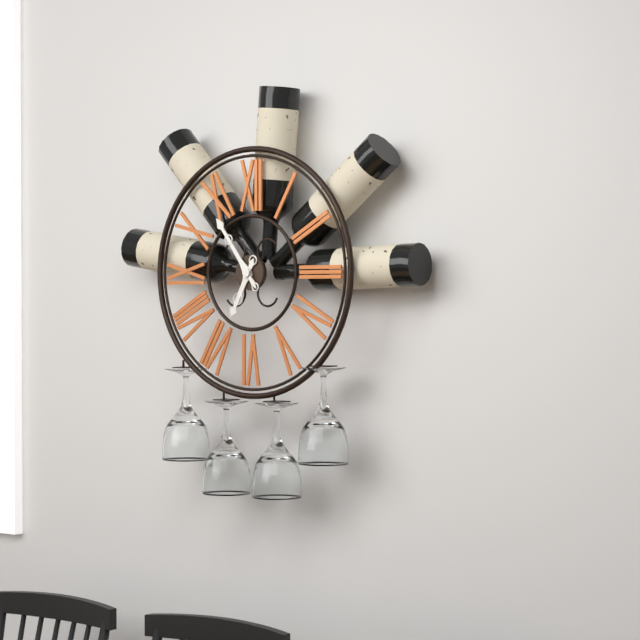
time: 6:54
